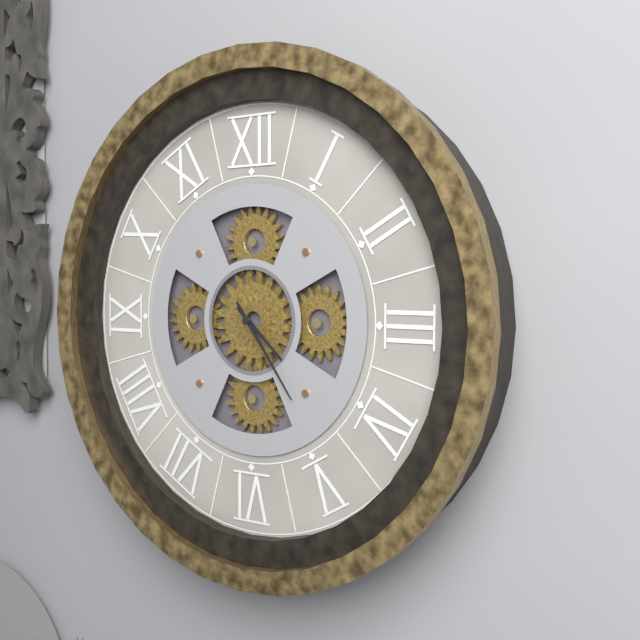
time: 4:24
